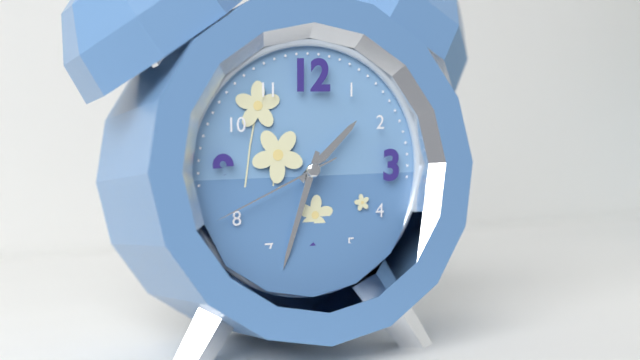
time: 1:33:41
